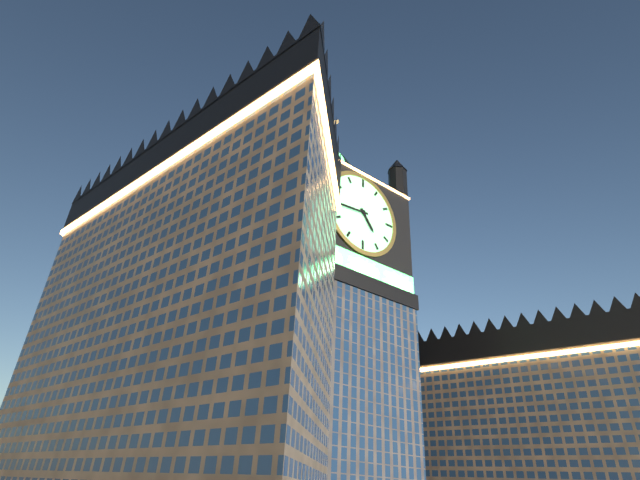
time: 4:44
